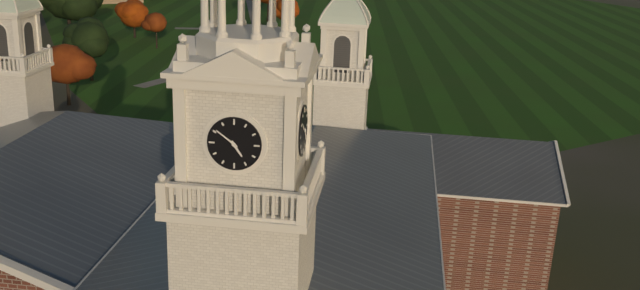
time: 4:51
